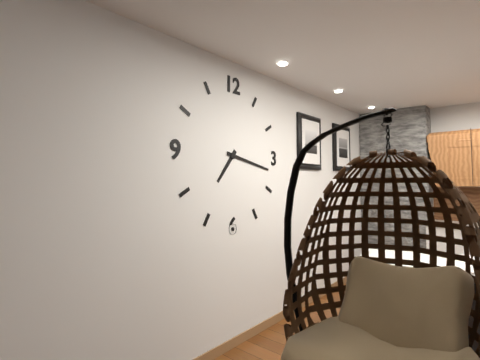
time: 7:17
